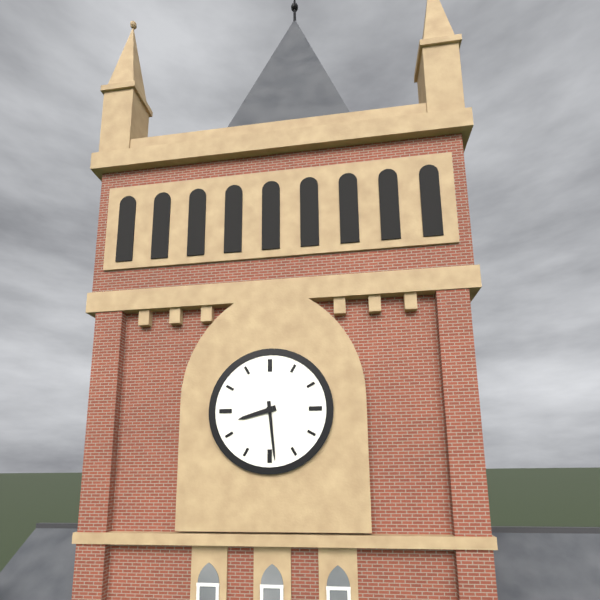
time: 8:29
